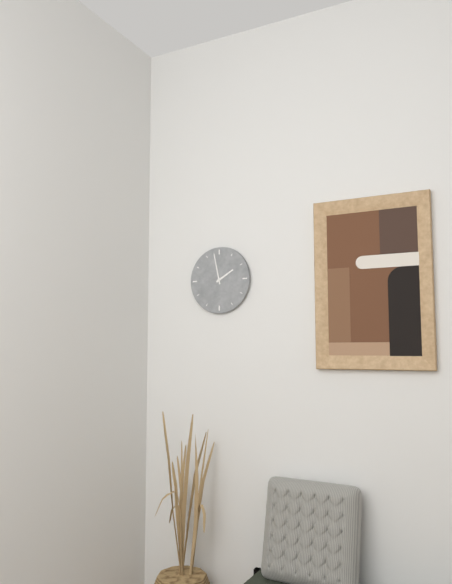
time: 1:58
